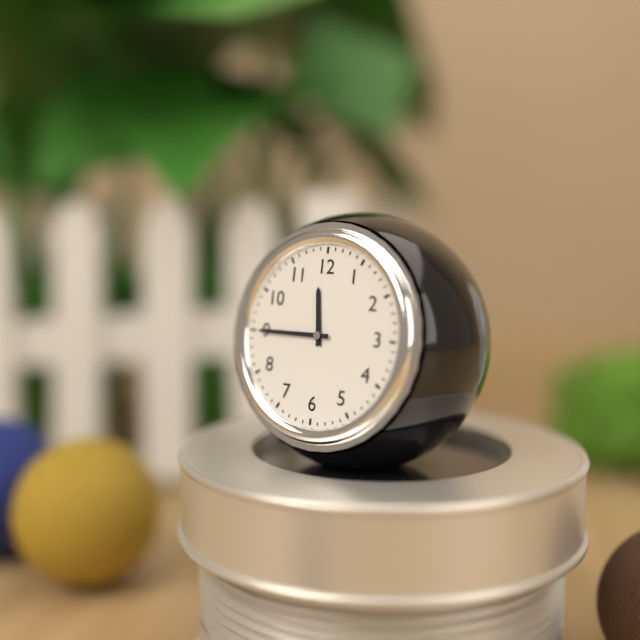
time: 11:45
